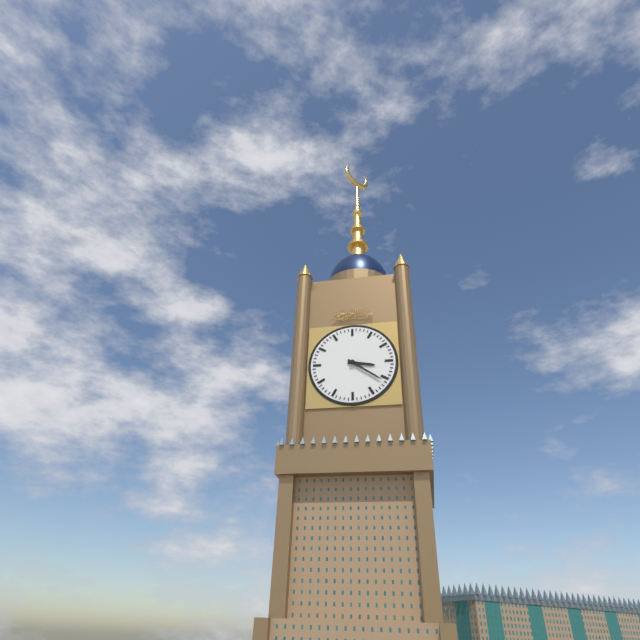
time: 3:21
